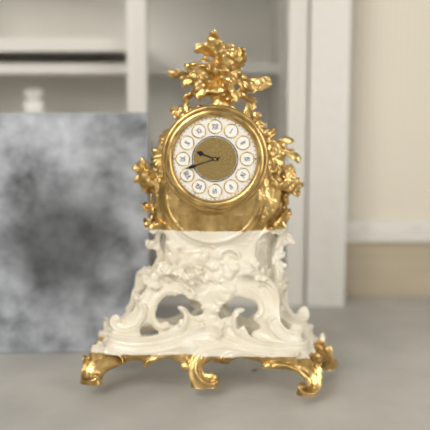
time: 9:42
